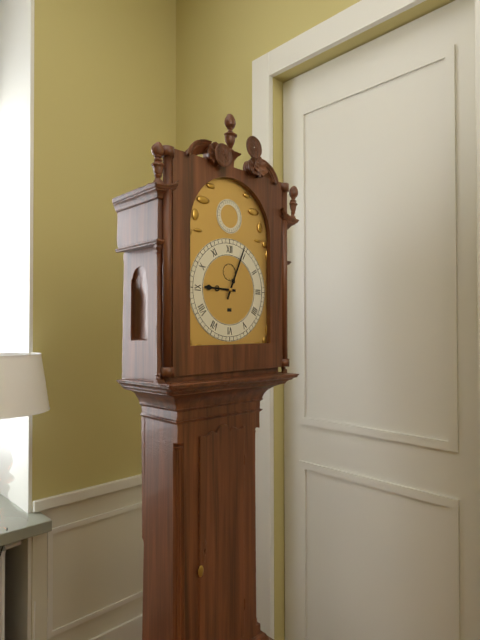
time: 9:04
